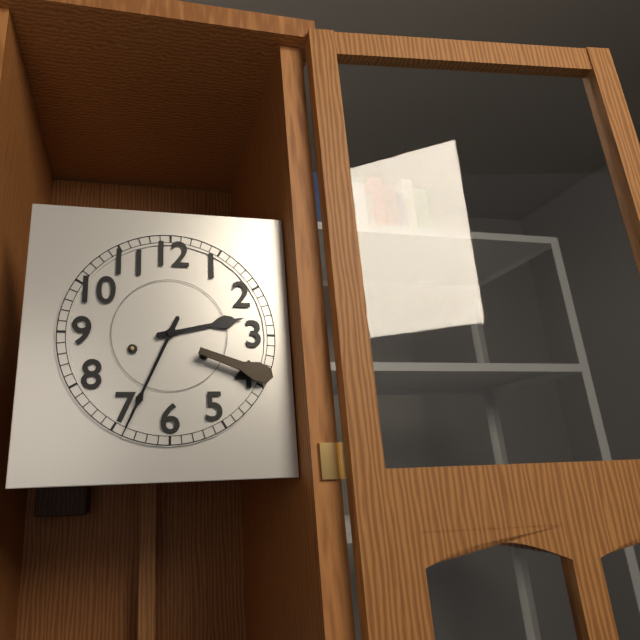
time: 2:34
